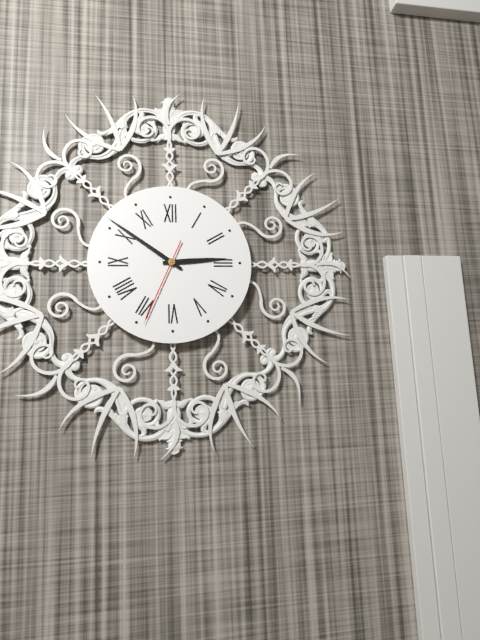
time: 2:51:34
